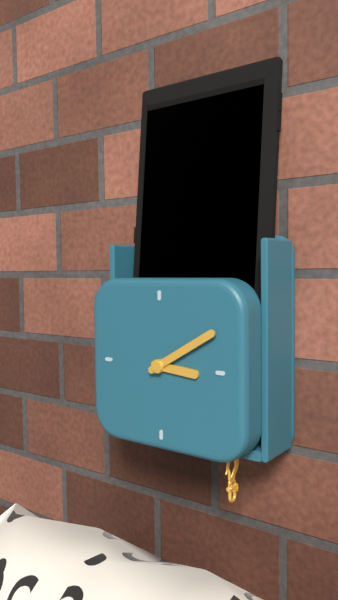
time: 3:10
